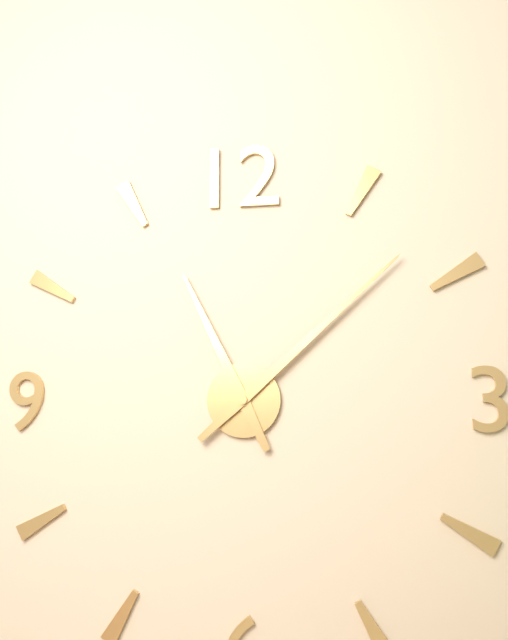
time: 11:08
